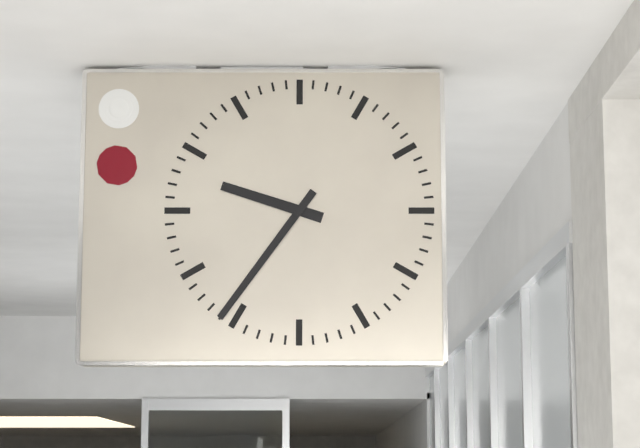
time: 9:36
